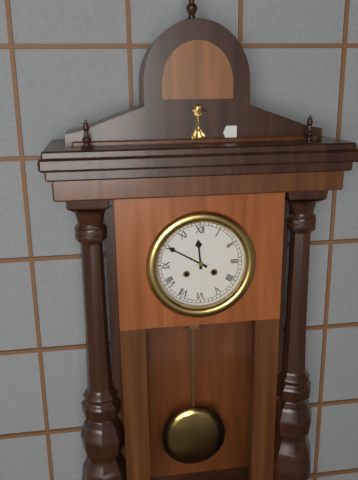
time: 11:50
